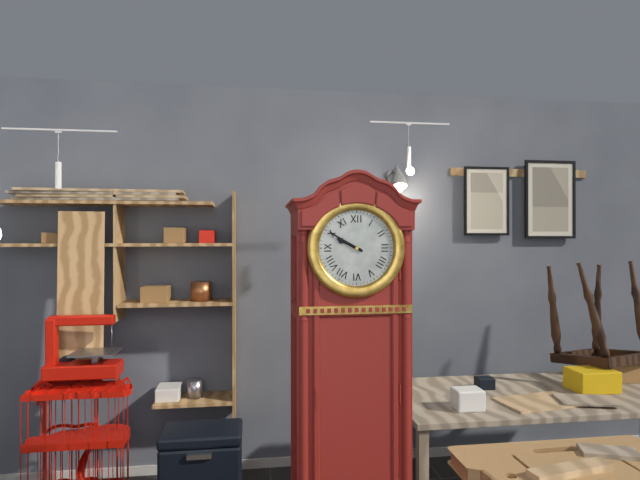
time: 9:50
